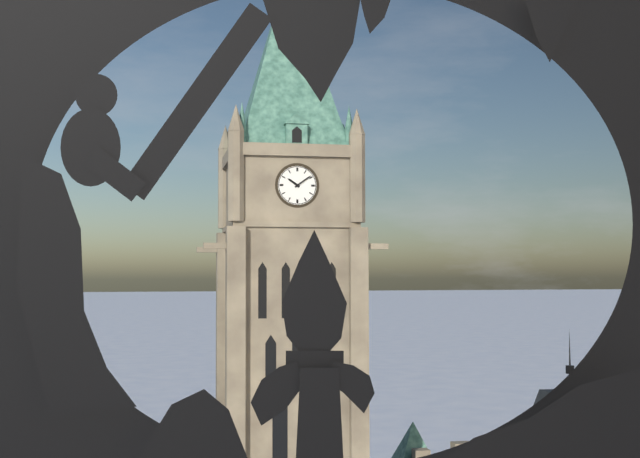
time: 10:09
